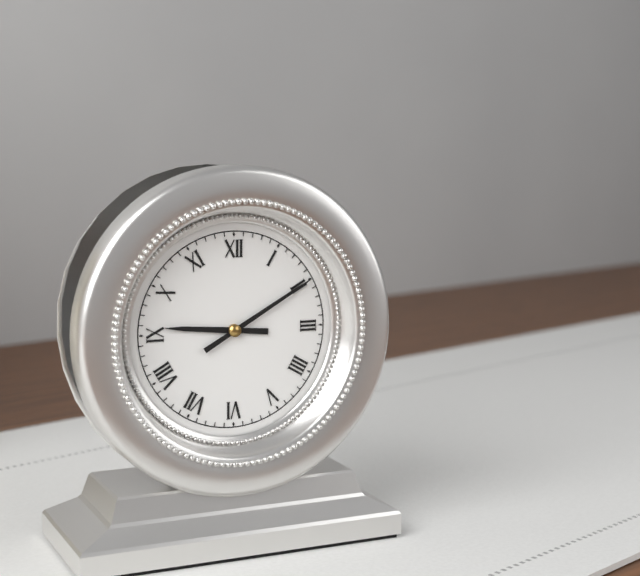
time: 9:10
